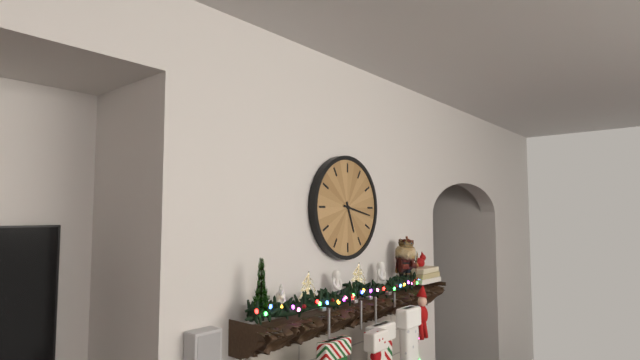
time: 5:17
